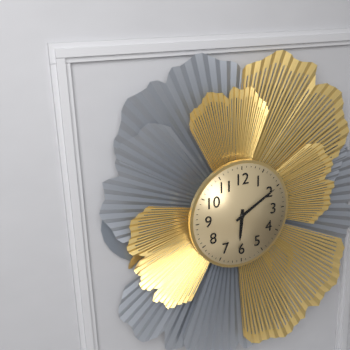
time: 6:10
